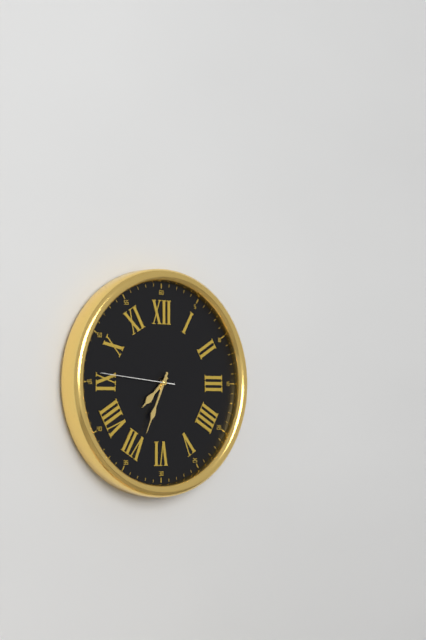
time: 7:34:46
